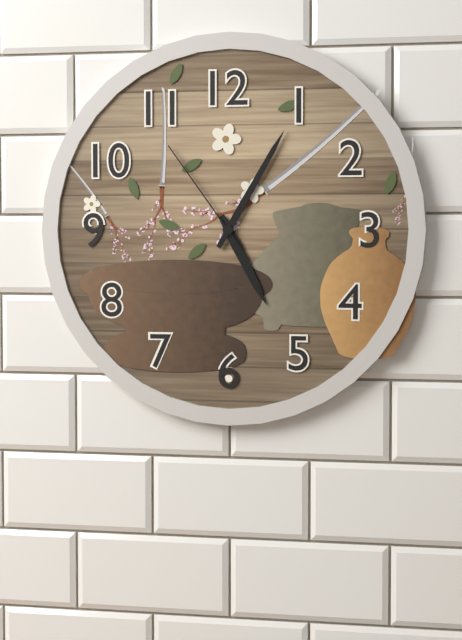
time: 5:05:54
